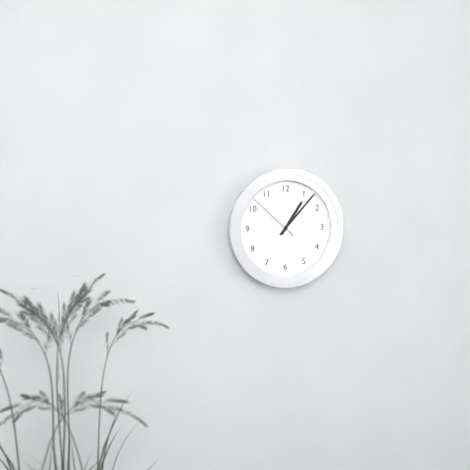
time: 1:07:52
